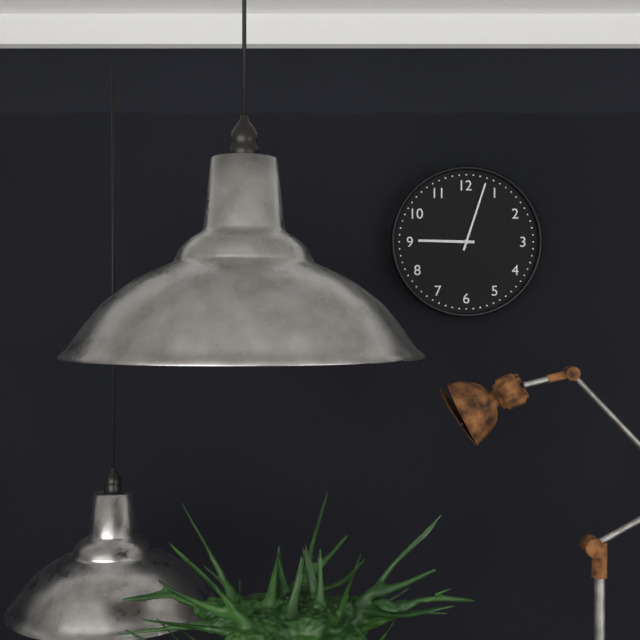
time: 9:03
